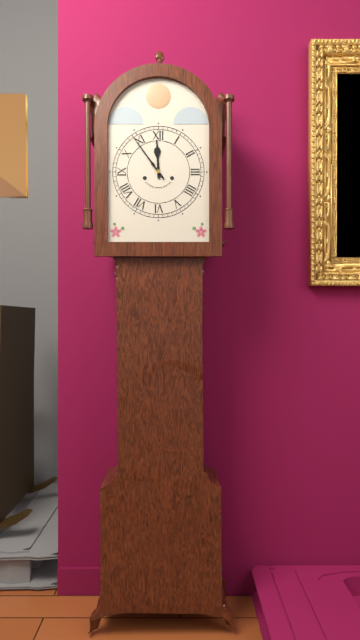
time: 11:54
